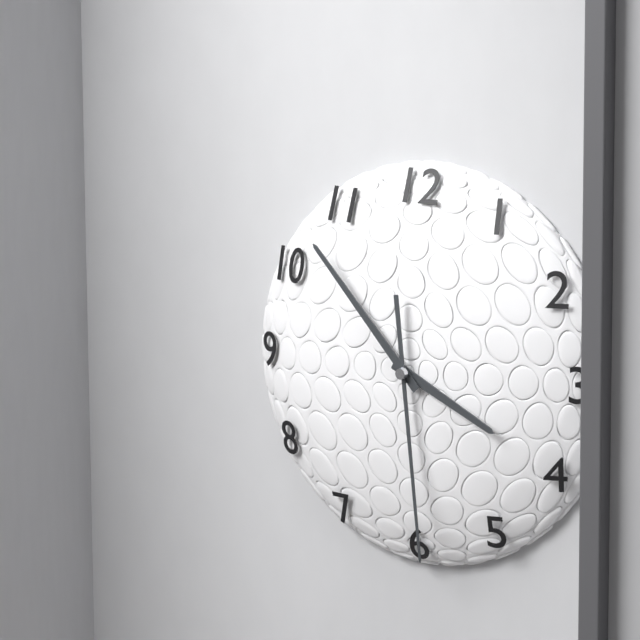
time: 3:53:29
